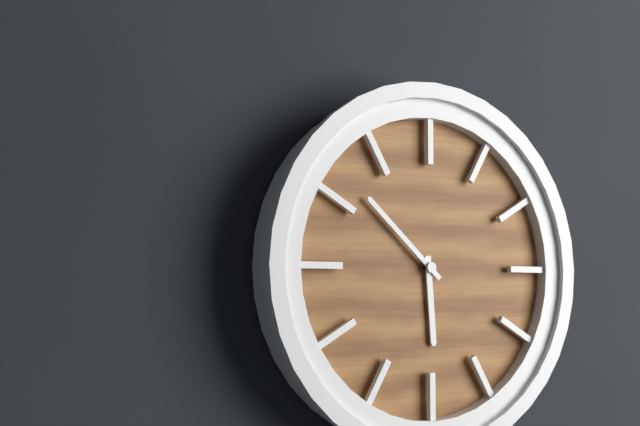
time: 5:52
